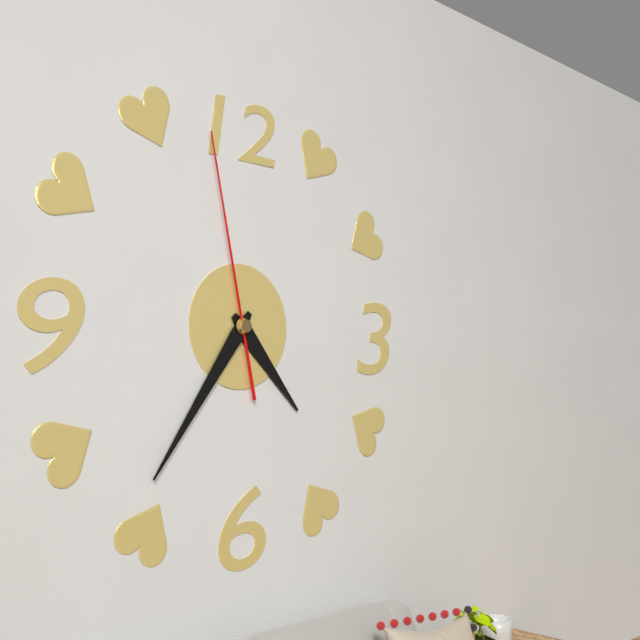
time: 4:36:58
